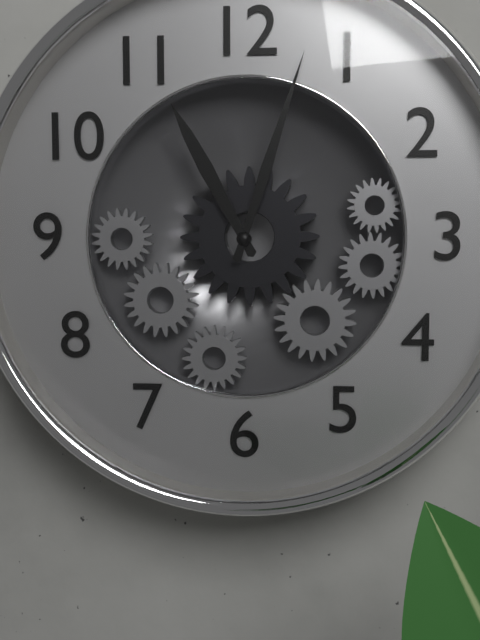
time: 11:03
